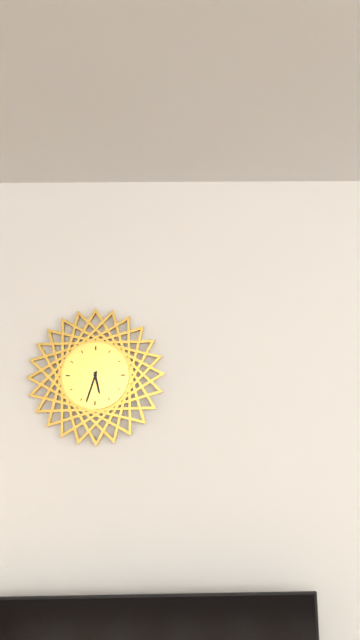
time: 5:33
